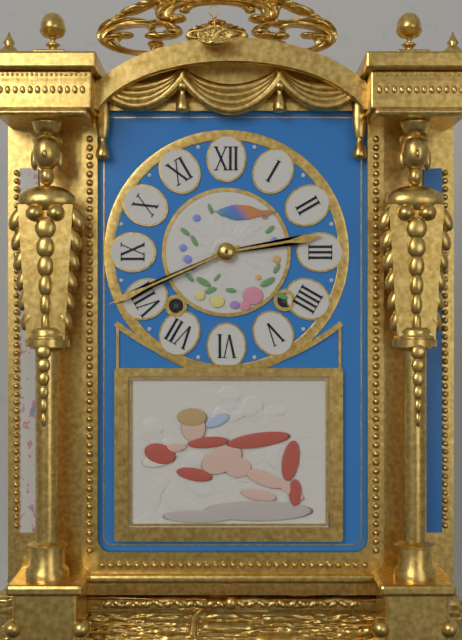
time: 2:41
